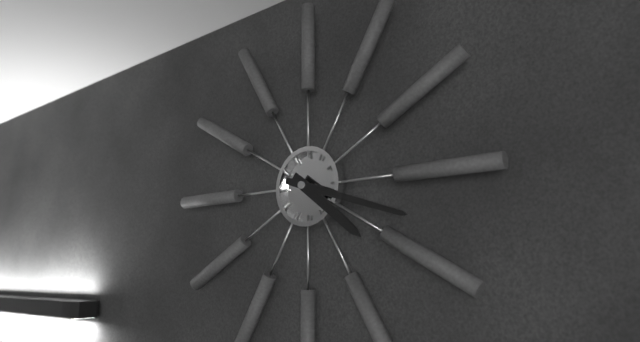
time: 4:18
